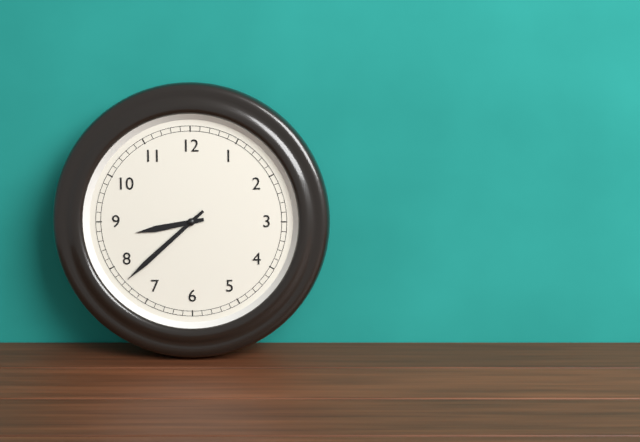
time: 8:38
